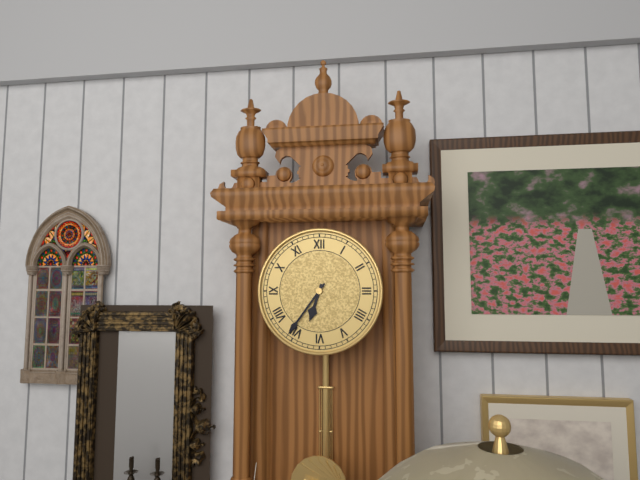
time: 6:36
